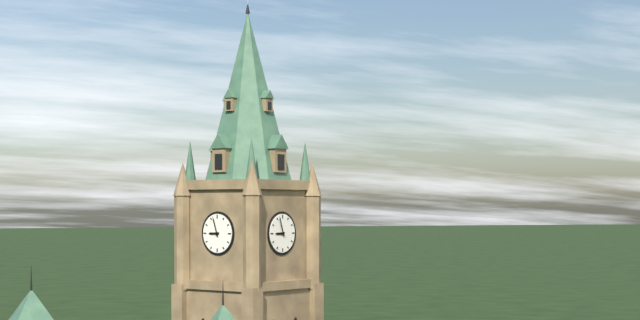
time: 8:57
